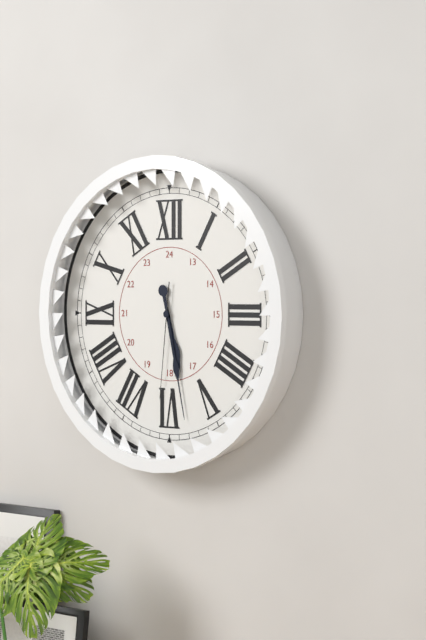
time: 5:28:31
